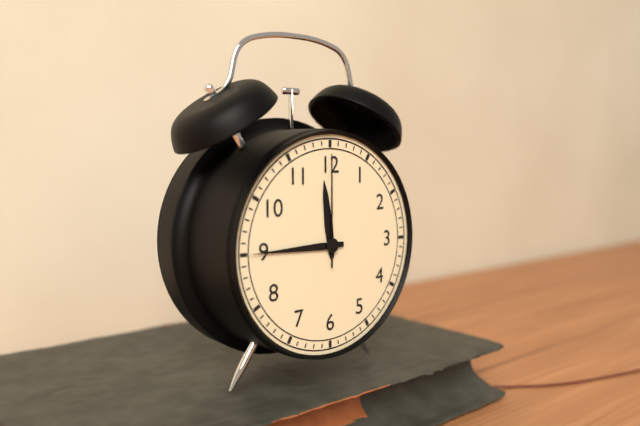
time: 11:45:00
